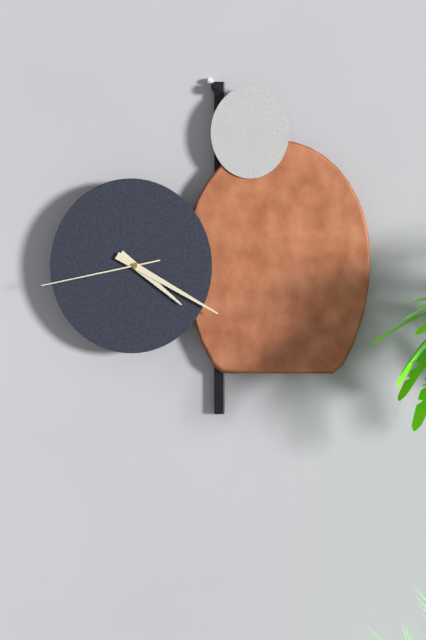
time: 4:20:43
